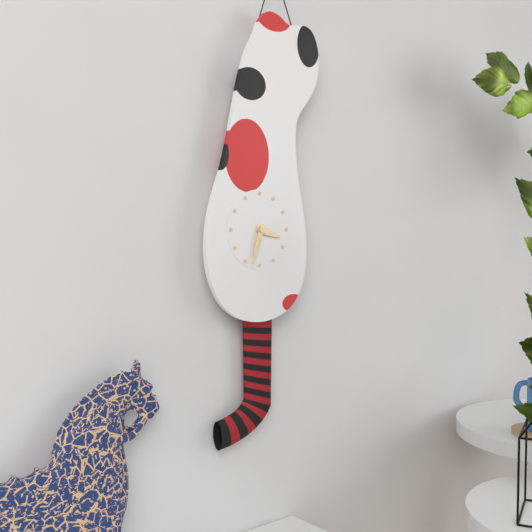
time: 3:33
